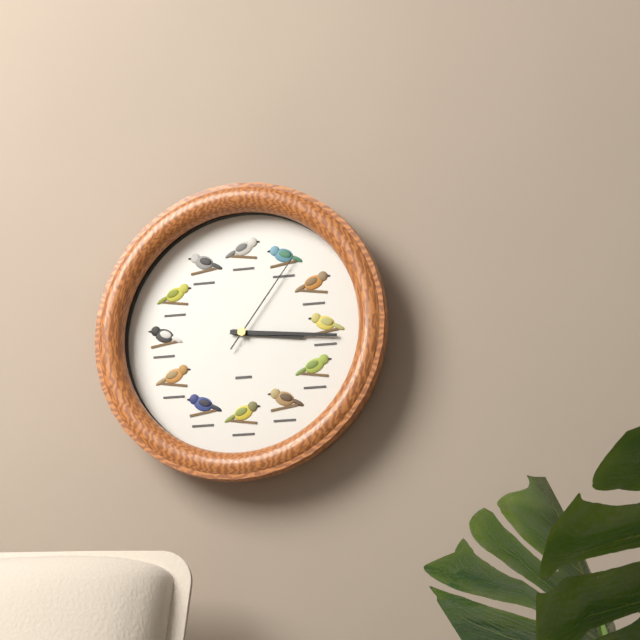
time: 3:16:06
